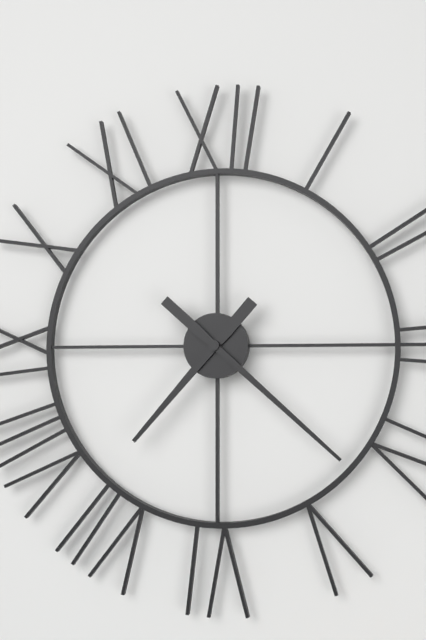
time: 7:22
